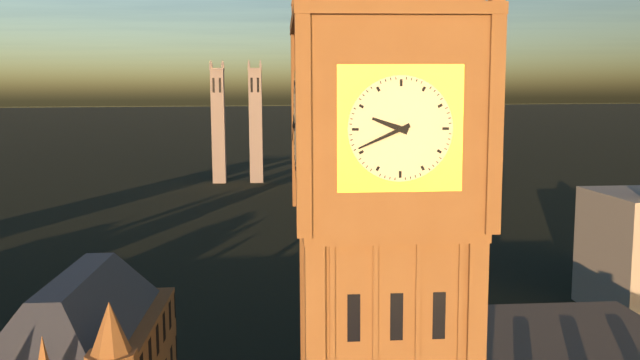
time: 9:41
